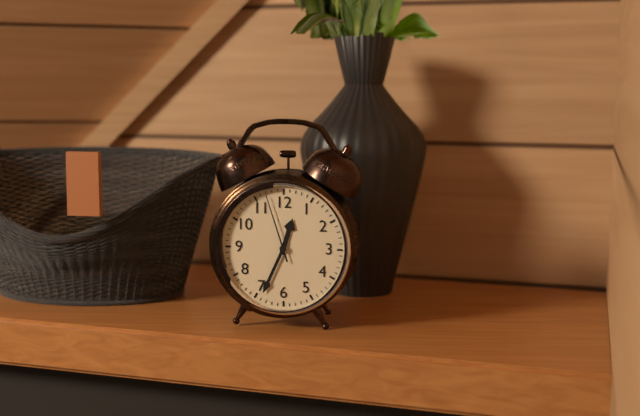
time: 12:34:57
